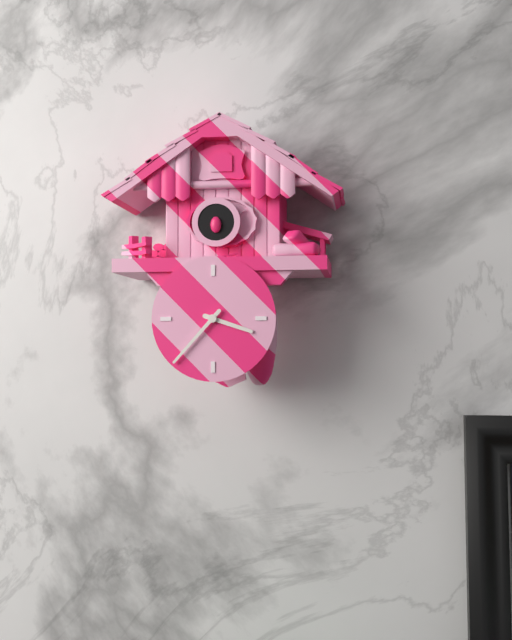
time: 3:37
